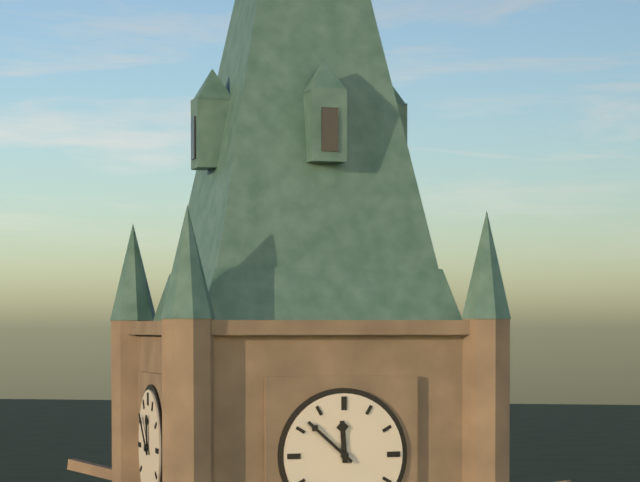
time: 11:52
